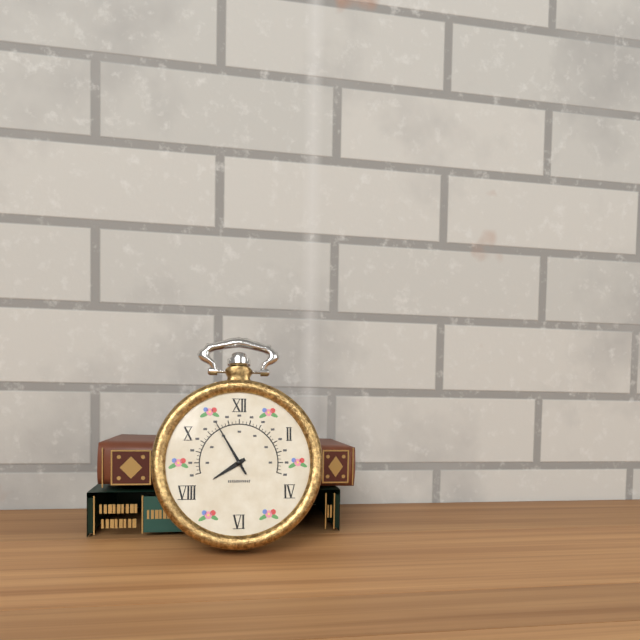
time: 7:55
